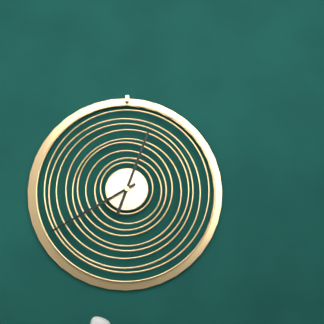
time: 12:40
